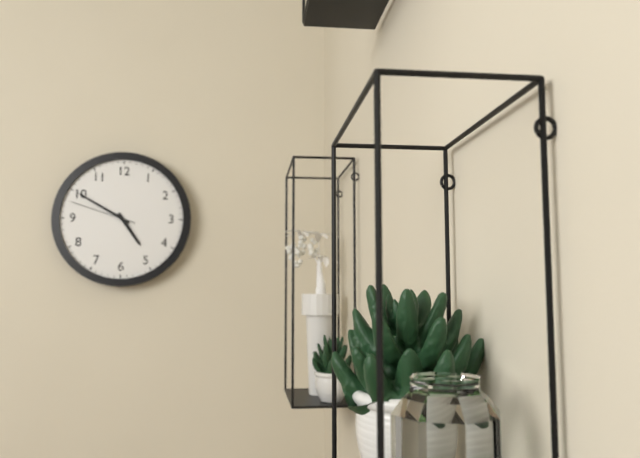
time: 4:50:48
